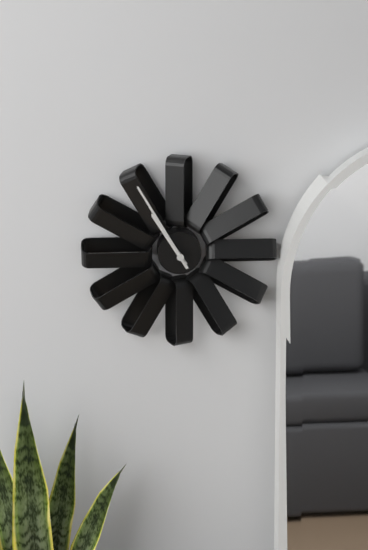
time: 10:55
